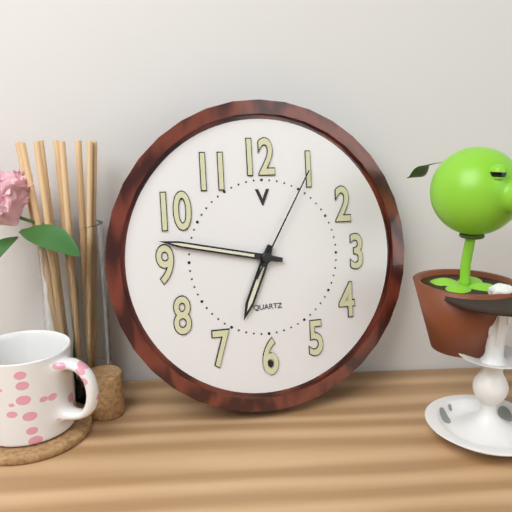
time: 6:47:05
